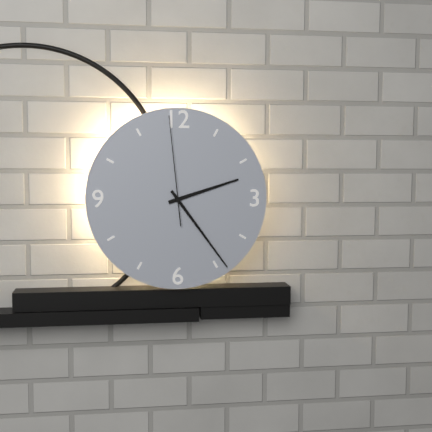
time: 2:24:59
